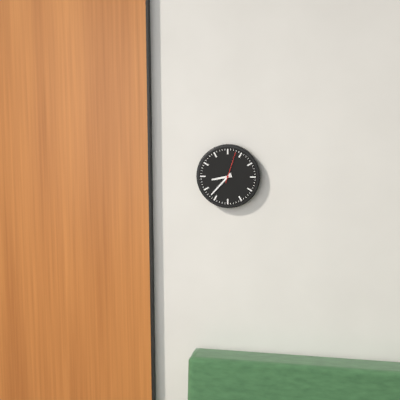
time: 8:37
